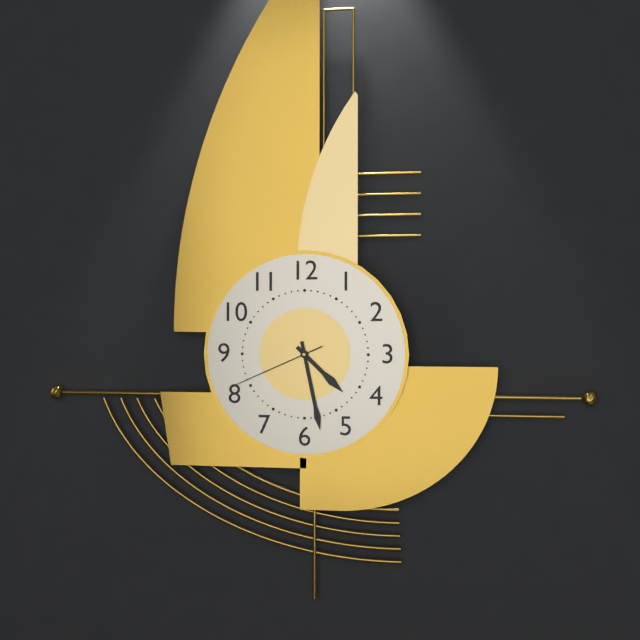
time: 4:28:41
